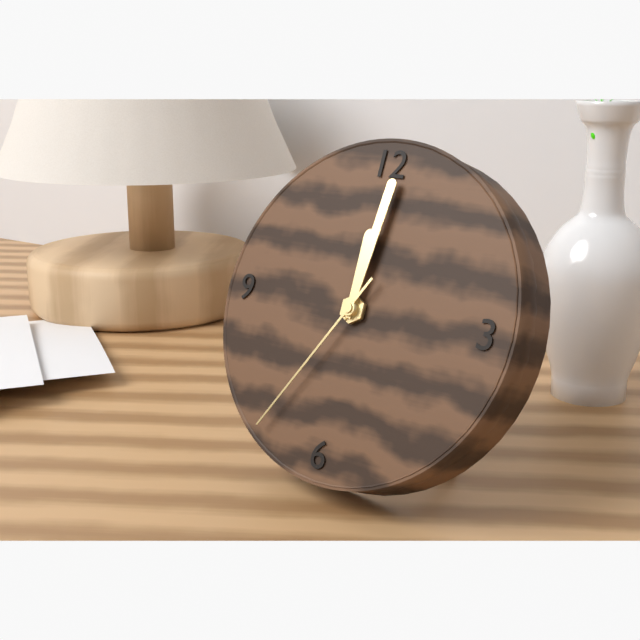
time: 12:01:35
